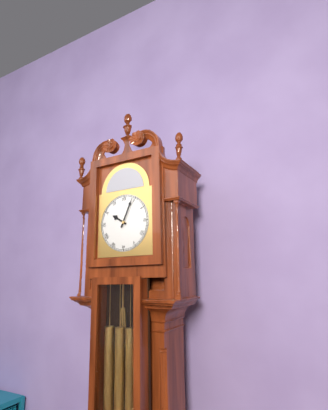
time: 10:04
